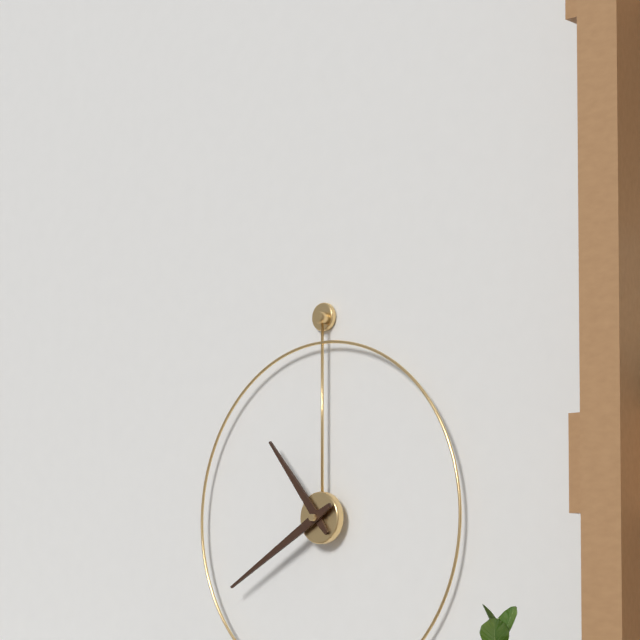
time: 10:40
